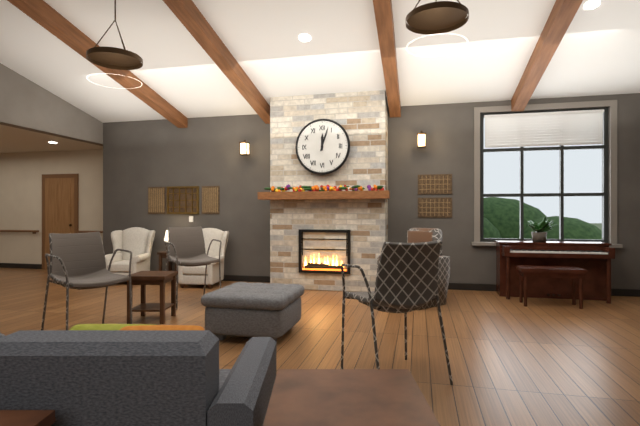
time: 12:03
